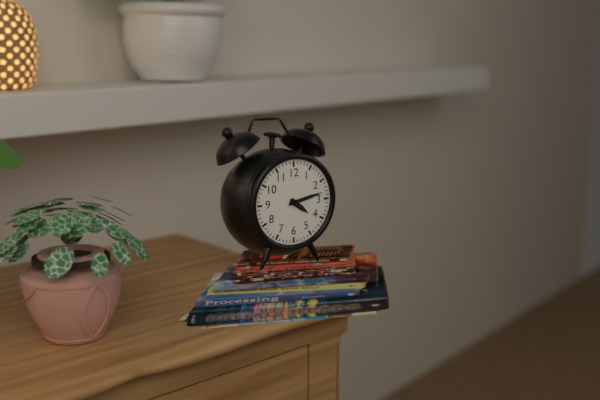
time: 4:13
